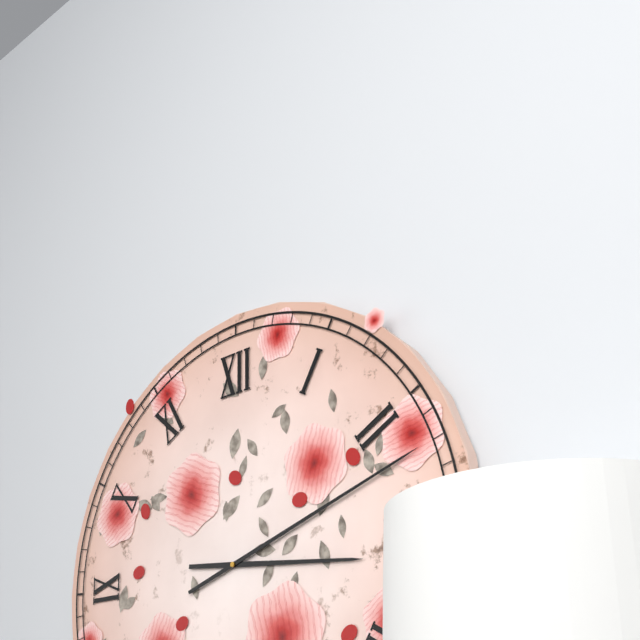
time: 3:12
